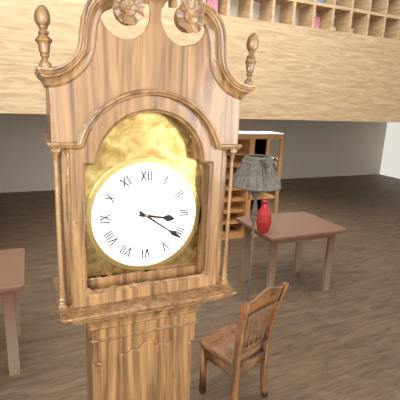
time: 3:21
